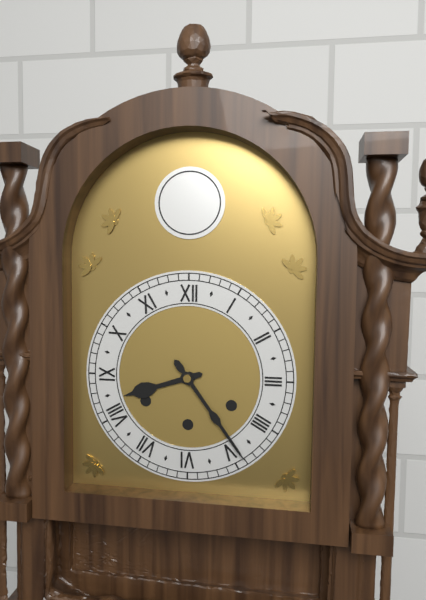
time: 8:24
